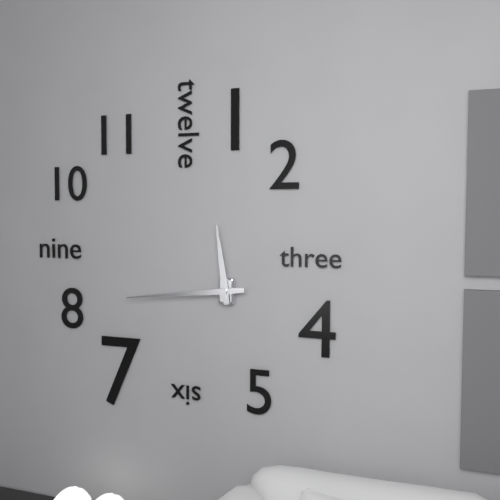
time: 11:44
